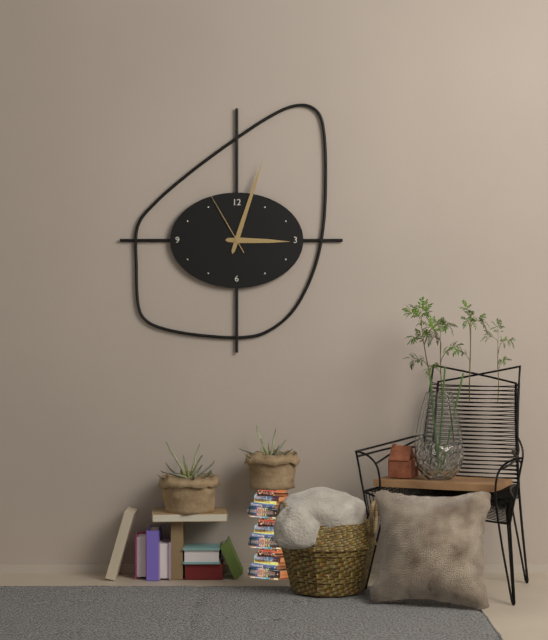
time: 3:03:55
